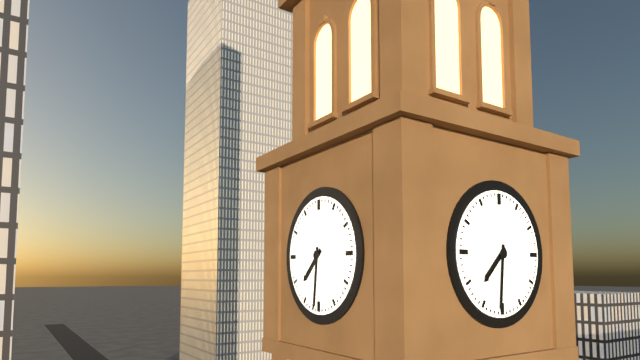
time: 7:31
